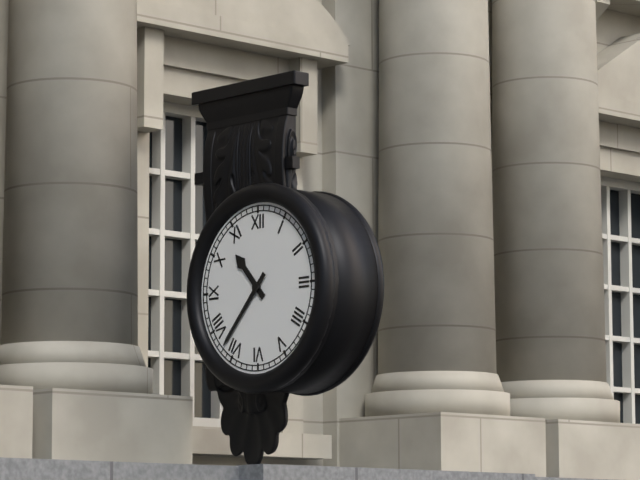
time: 10:37
